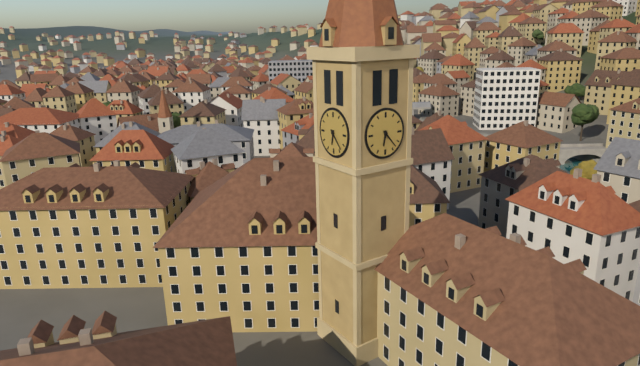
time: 6:23
